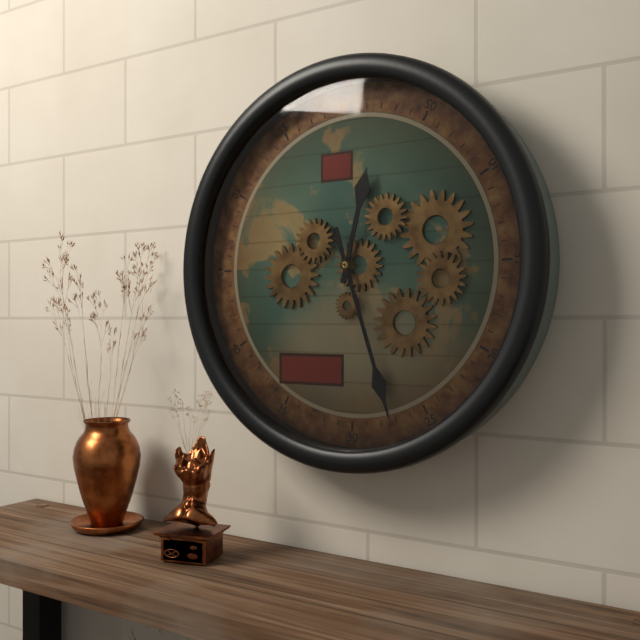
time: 12:27
